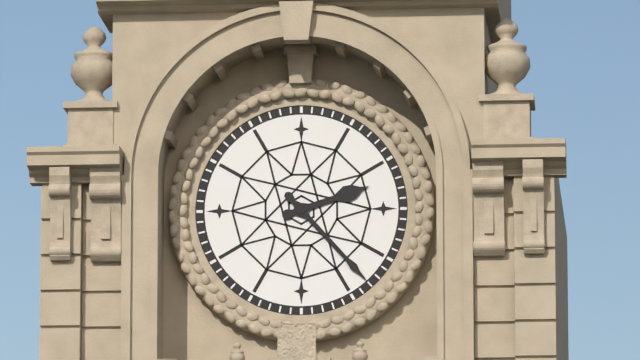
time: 2:23
